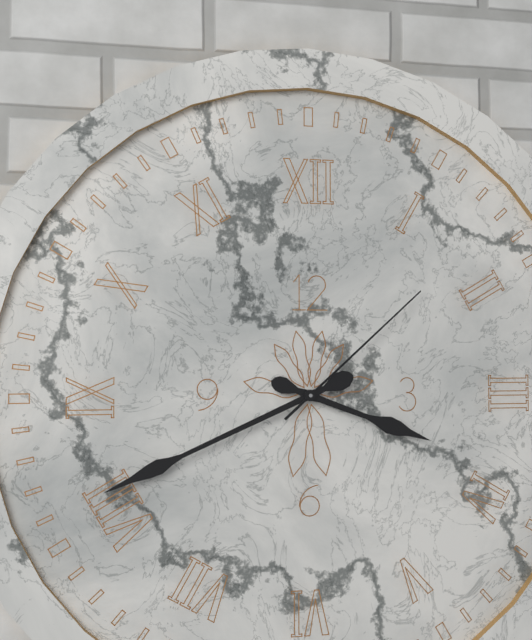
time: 3:41:08
